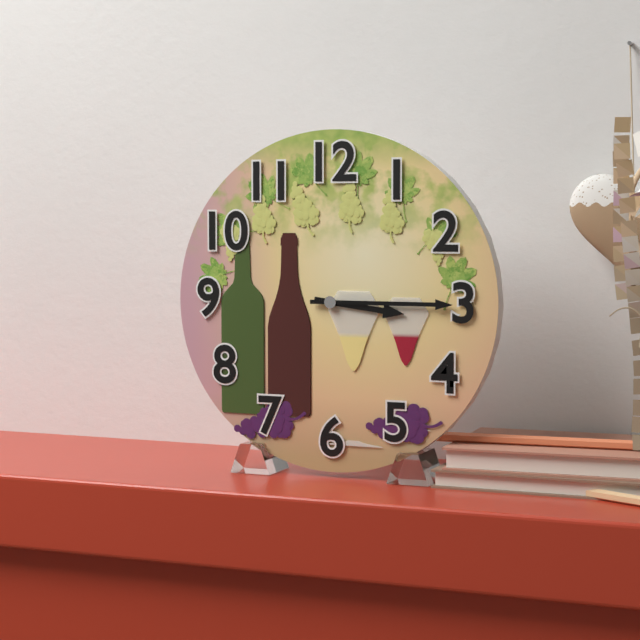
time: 3:15
